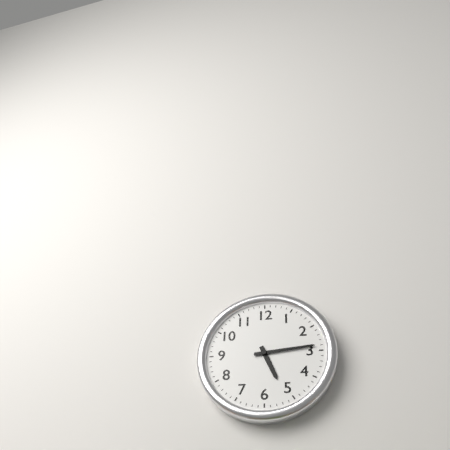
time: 5:14
